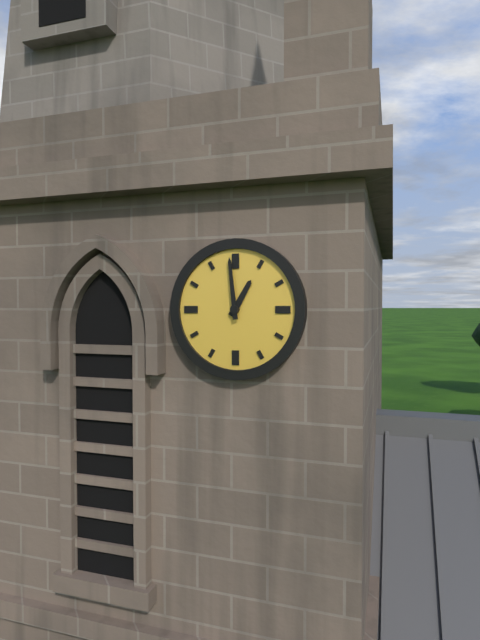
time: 12:59
